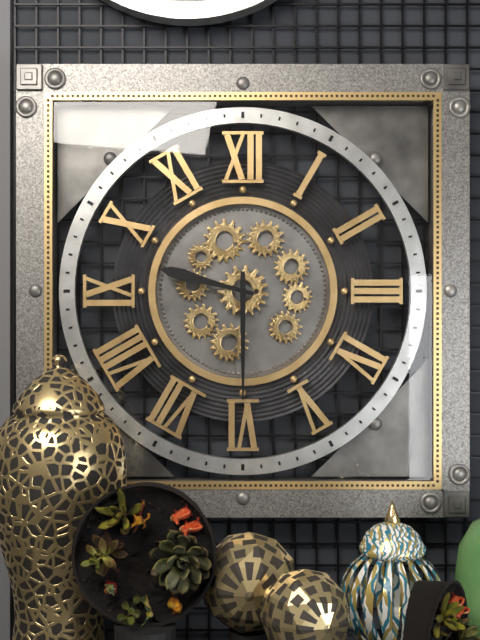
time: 9:30
